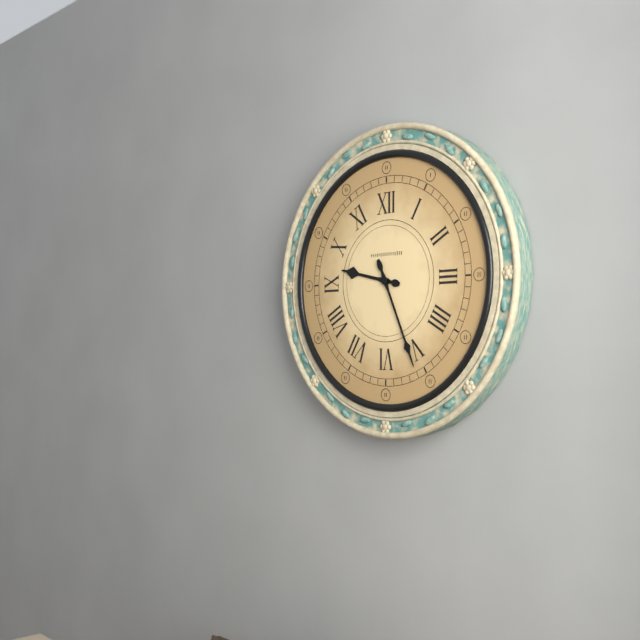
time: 9:26
